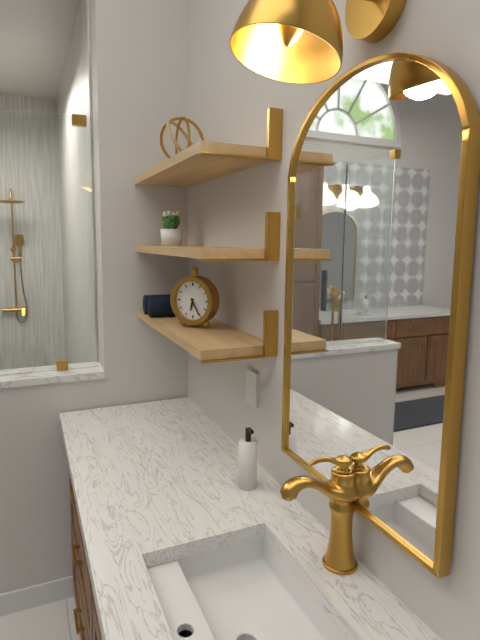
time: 6:25
